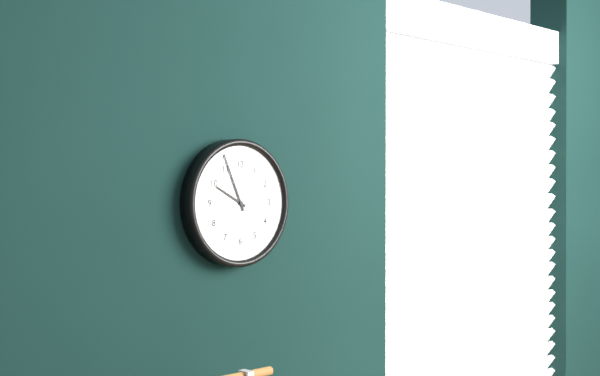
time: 9:56
